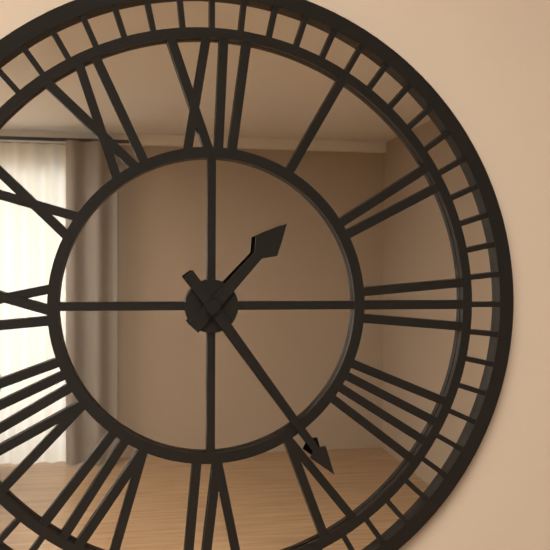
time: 1:24
